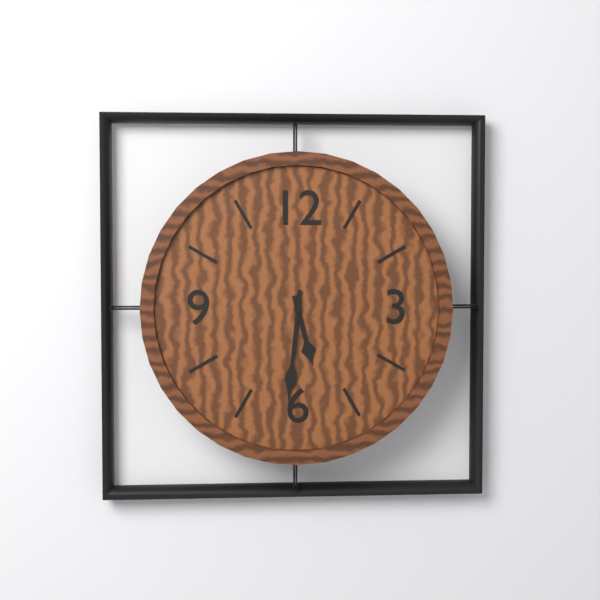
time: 5:31
